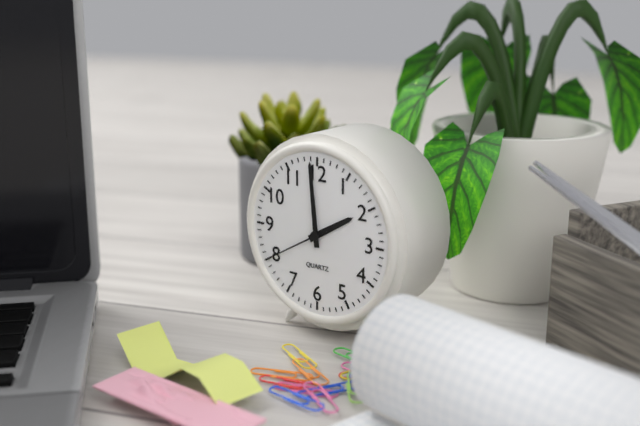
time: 1:59:40
